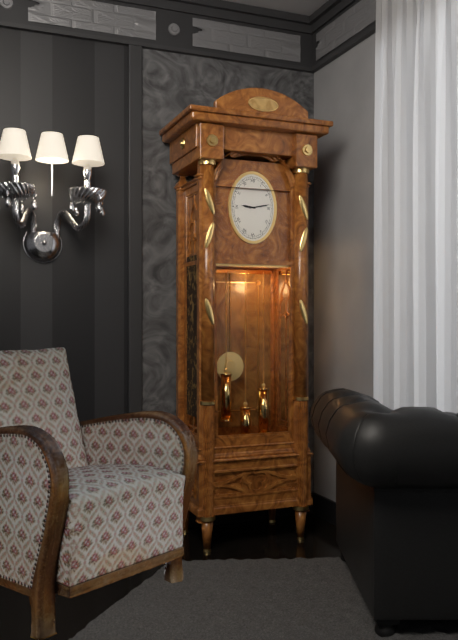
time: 9:13
